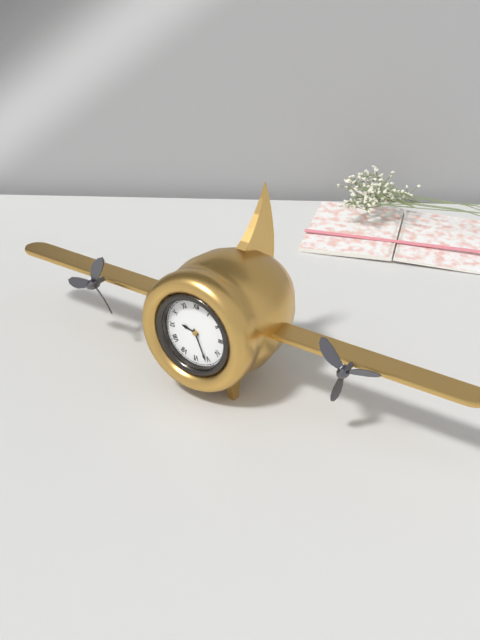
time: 9:26
